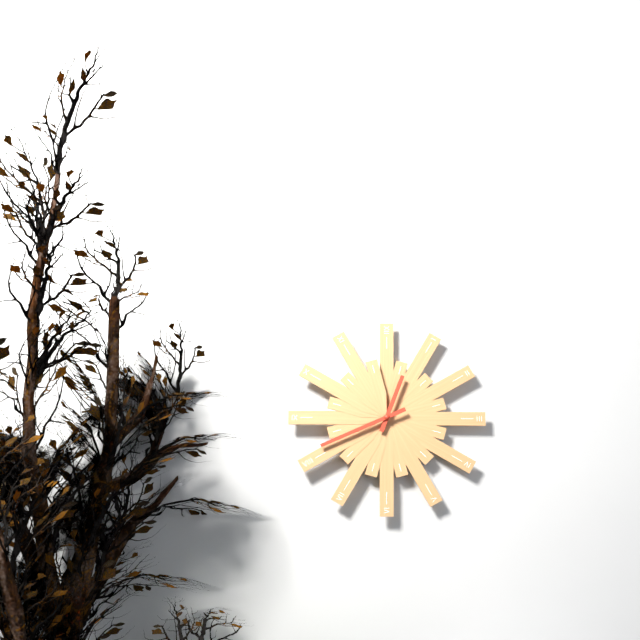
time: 12:41
